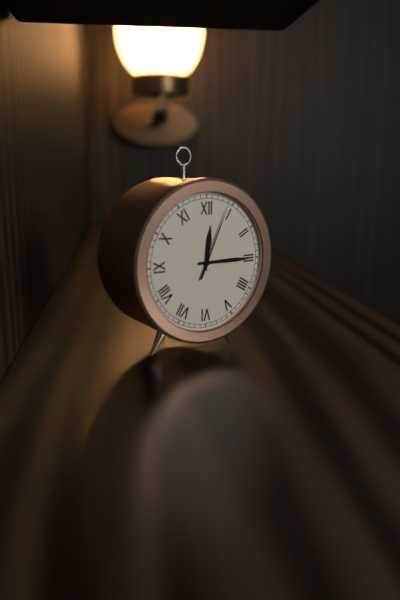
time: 12:15:04
